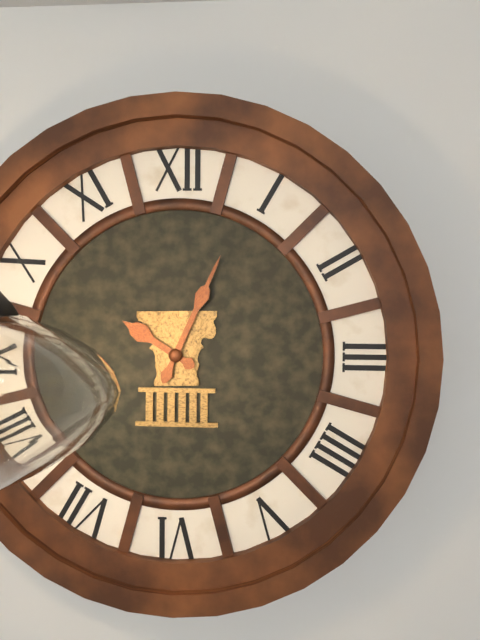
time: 10:04
